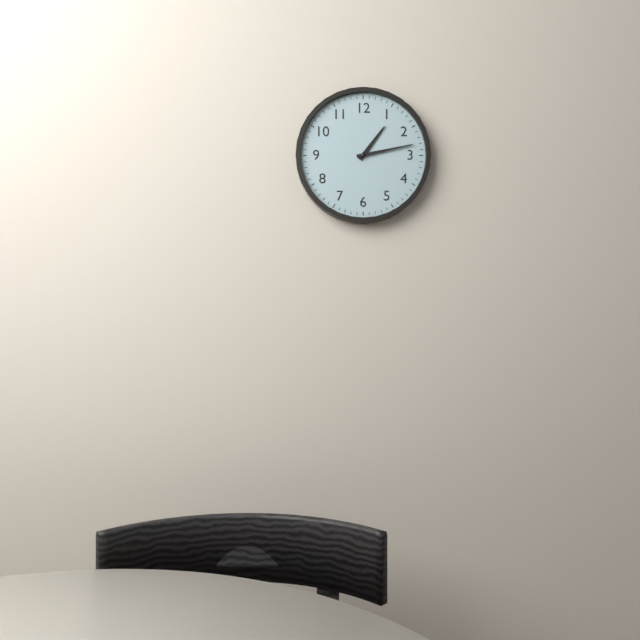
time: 1:13
